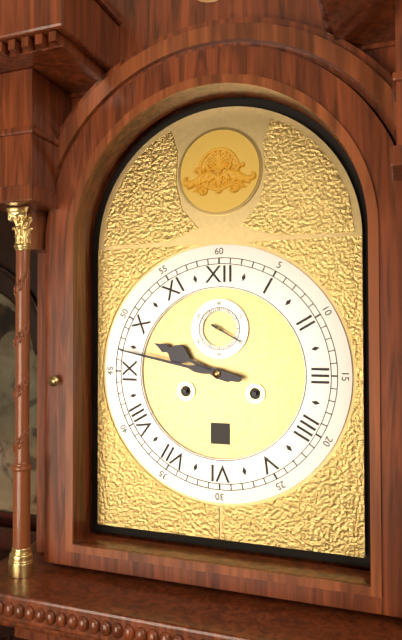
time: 9:47
